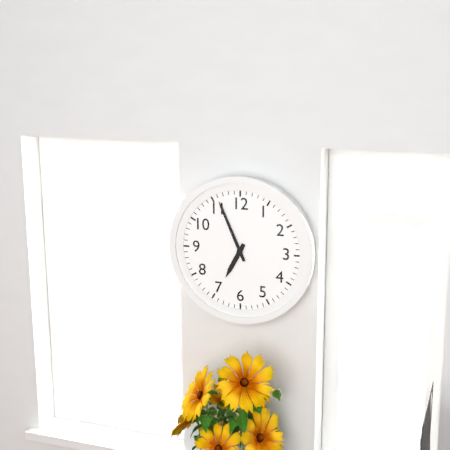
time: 6:56
